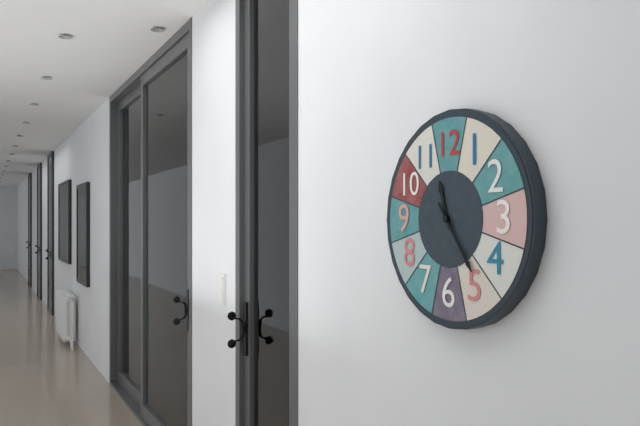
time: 11:24
